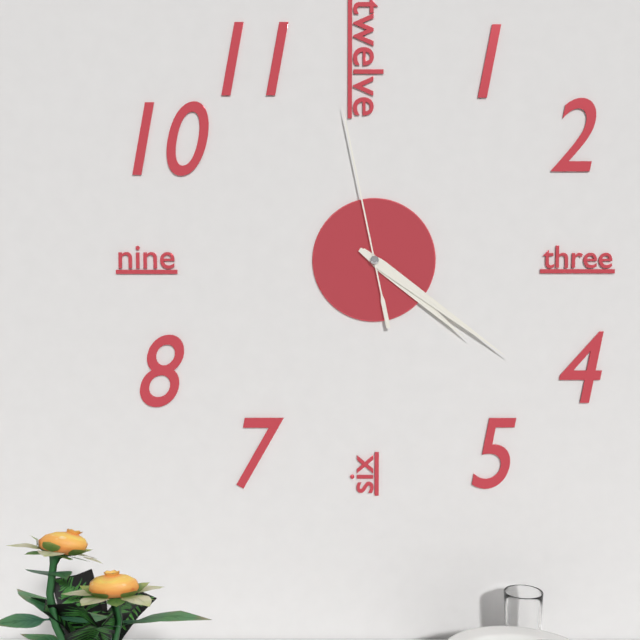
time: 4:21:58
